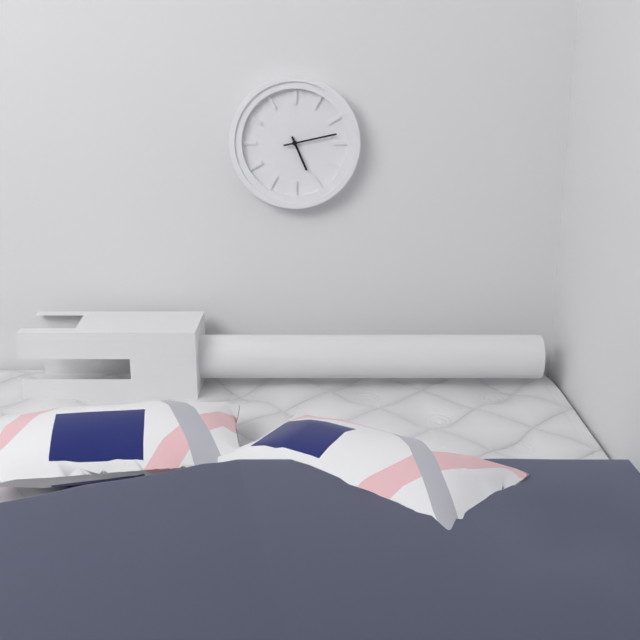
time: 5:13
